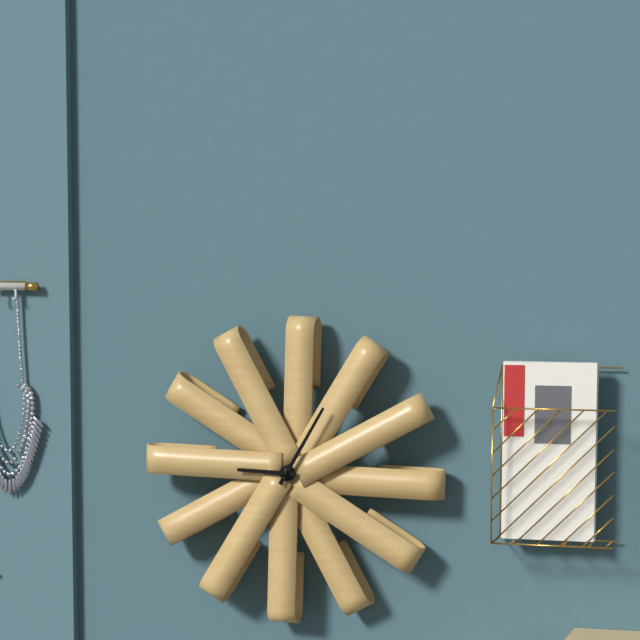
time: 9:05
